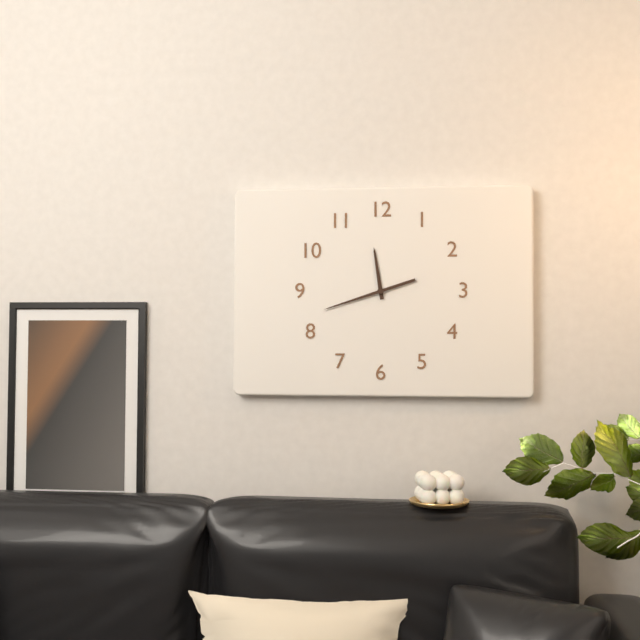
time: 11:42
